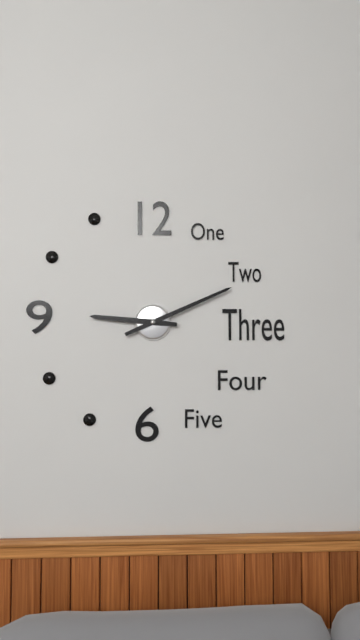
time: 9:11
